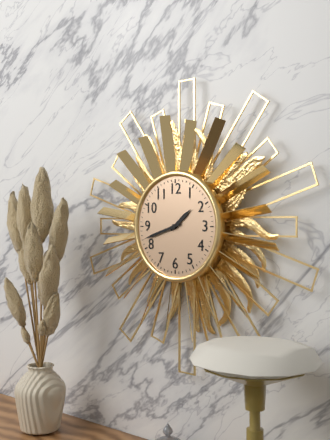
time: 1:42
